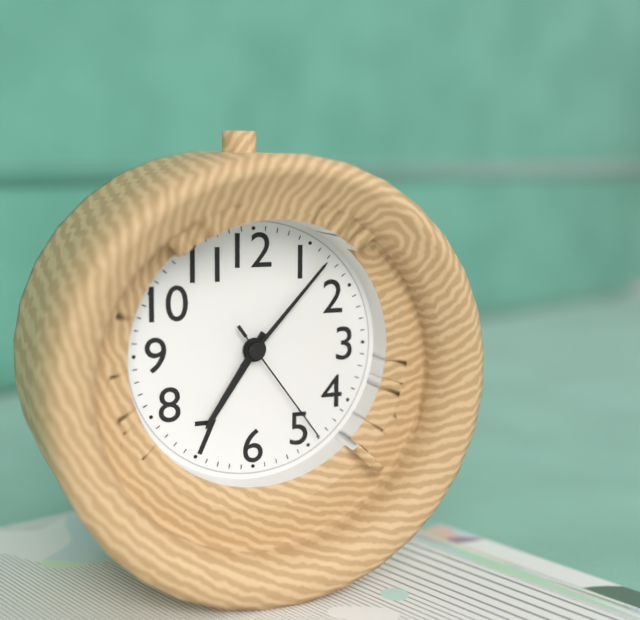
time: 7:07:24
